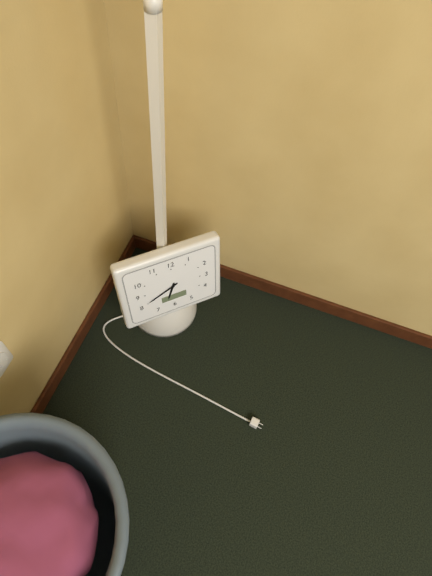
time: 6:41
